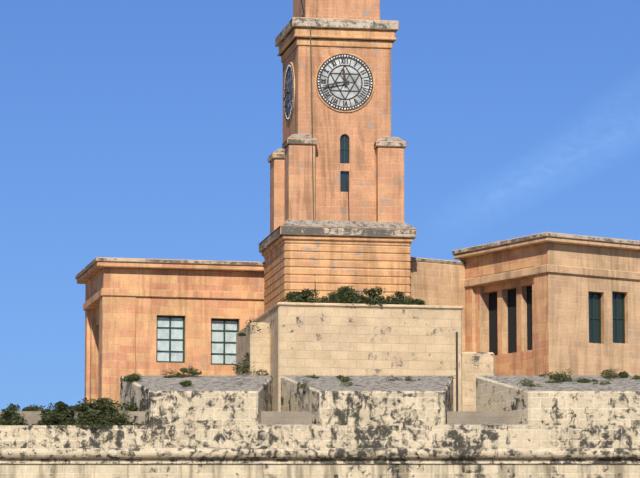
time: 11:43
